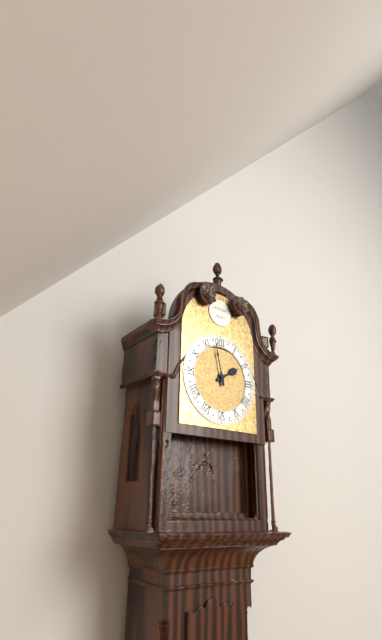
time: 1:58
